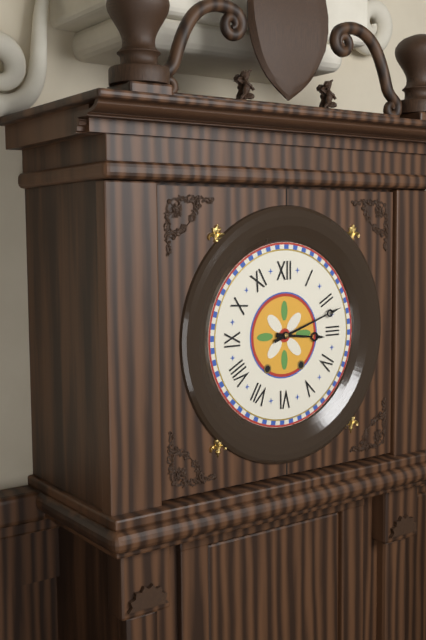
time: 3:12
